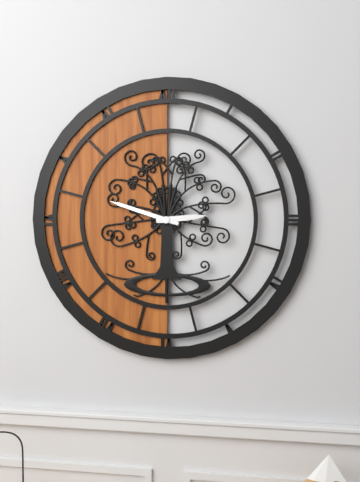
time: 2:48
